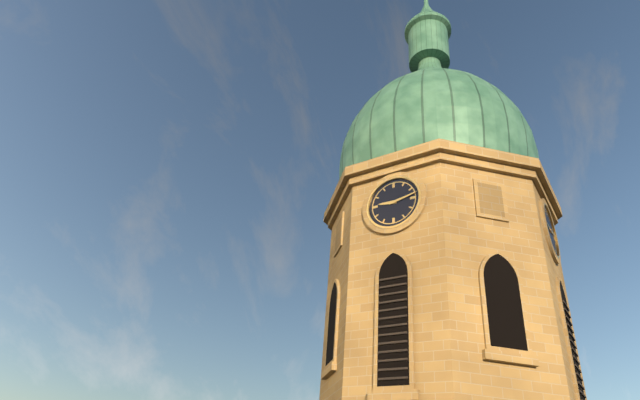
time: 9:13
